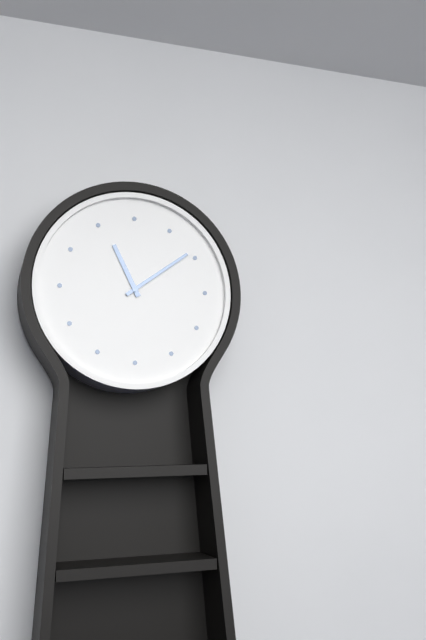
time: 11:09
